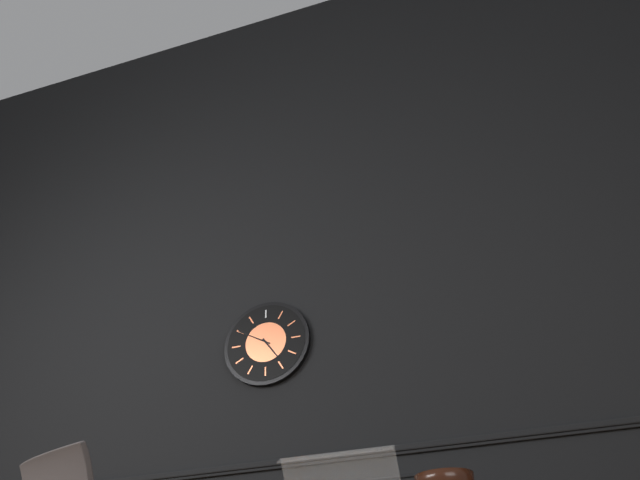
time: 4:50
